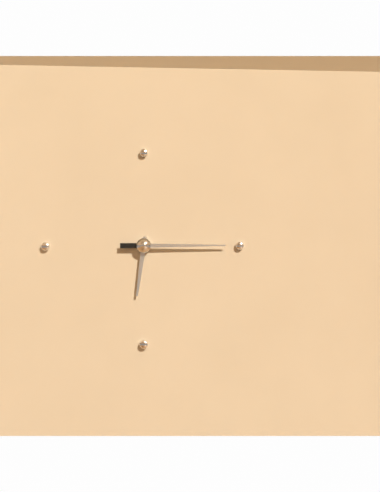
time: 6:15
